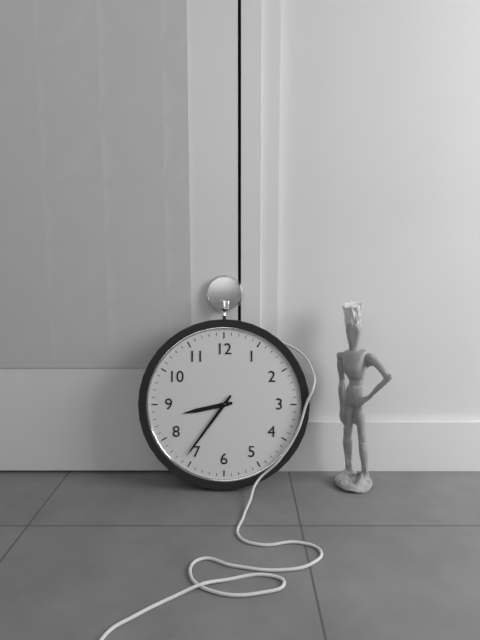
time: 8:36
